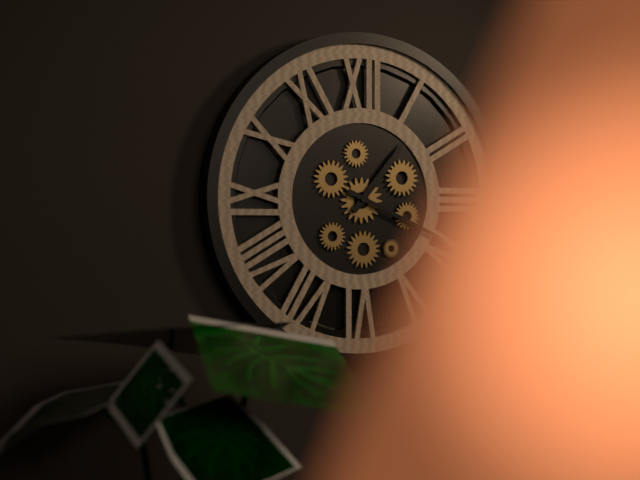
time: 1:19
